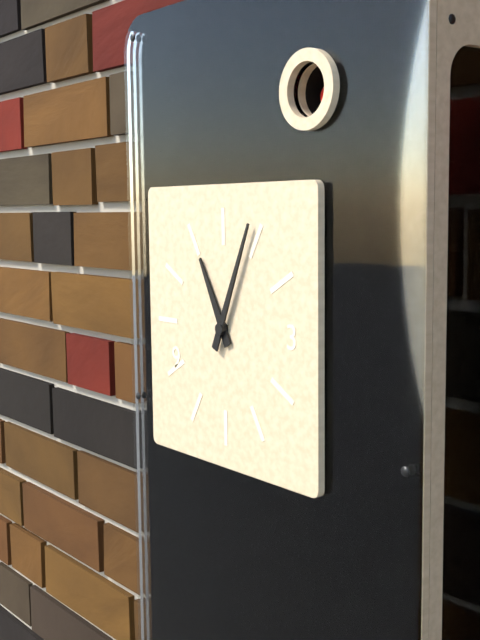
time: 11:04
